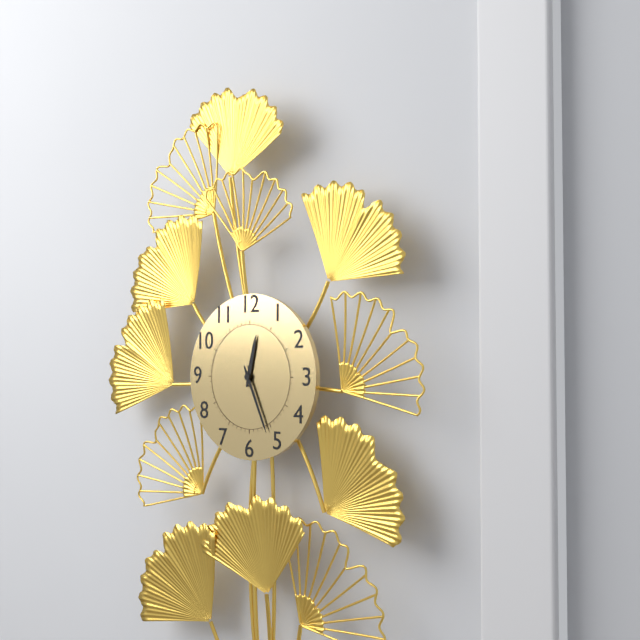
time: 12:26
